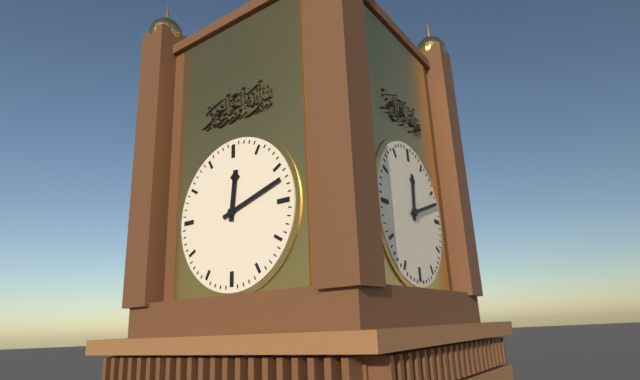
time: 12:12
